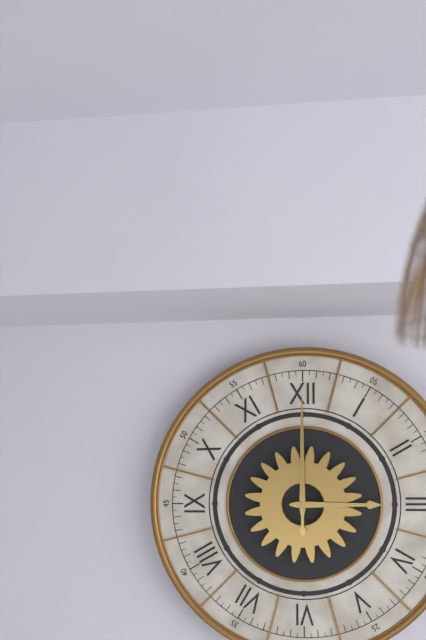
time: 3:00
